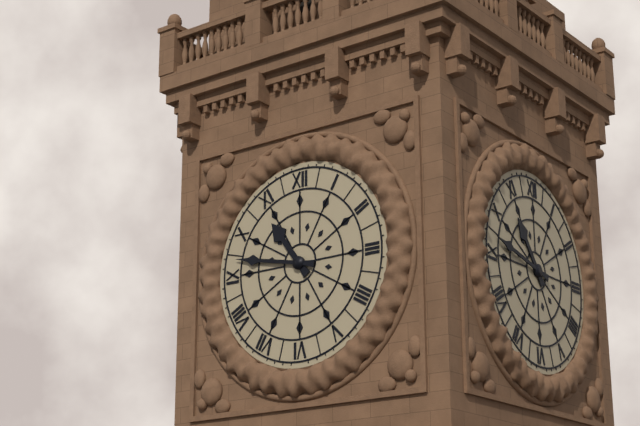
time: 10:47
